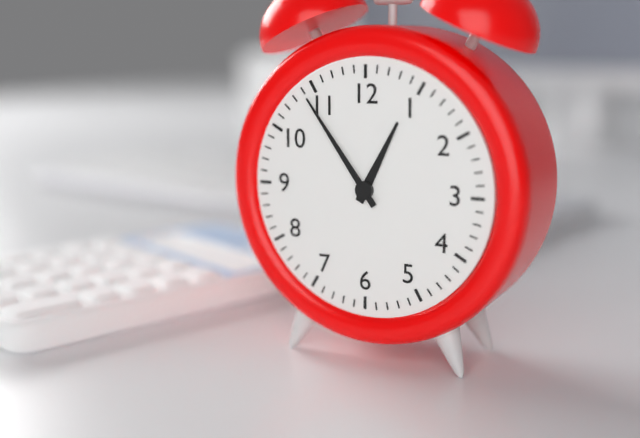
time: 12:54
